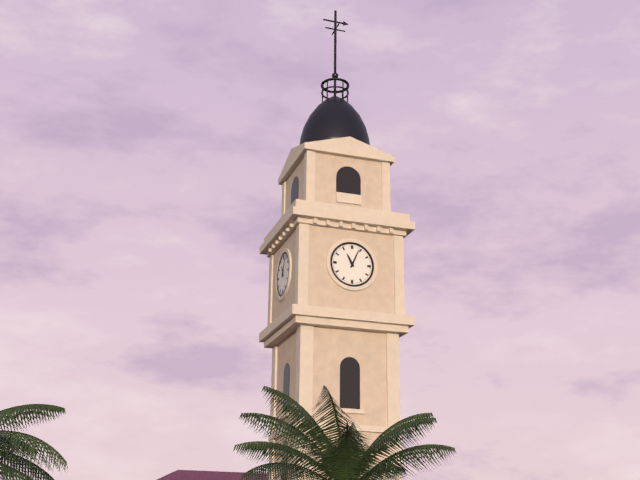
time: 11:04
